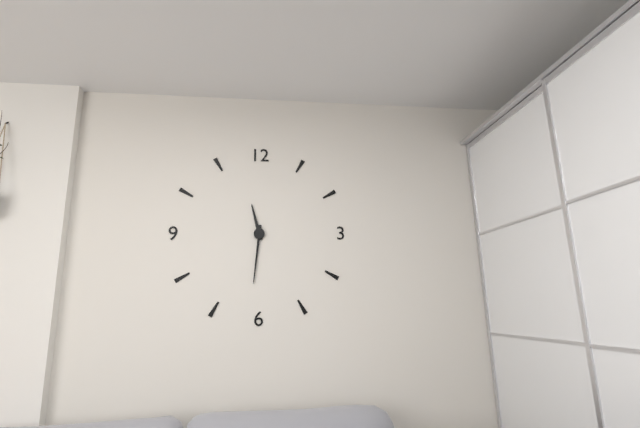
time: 11:31
